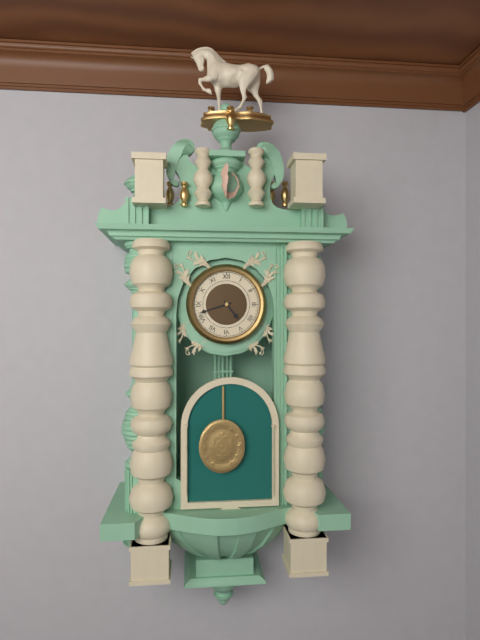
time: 4:42
